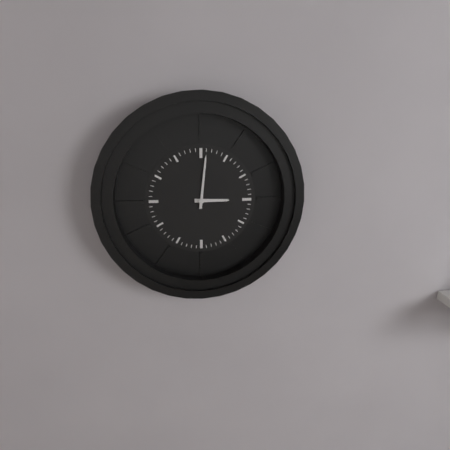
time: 3:01
